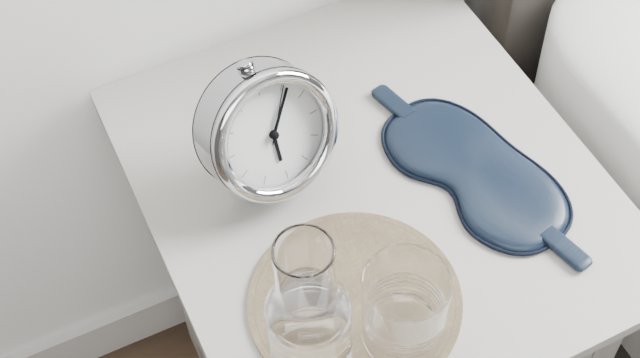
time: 6:06:05
